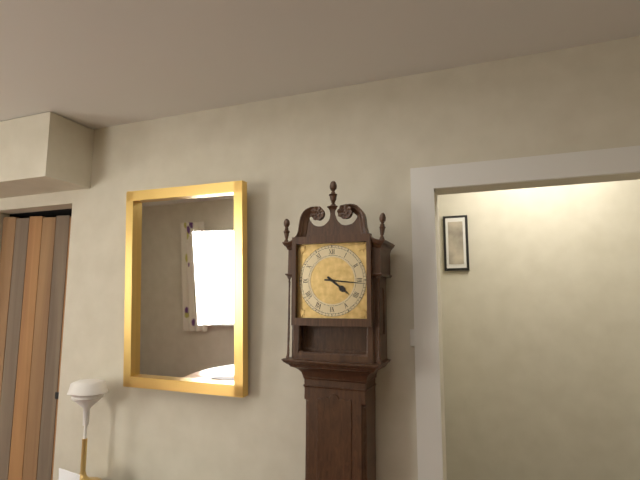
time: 4:16
